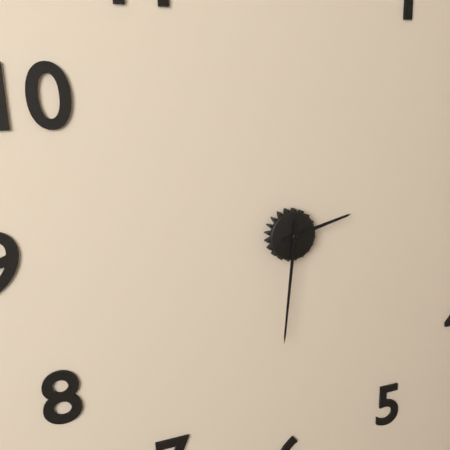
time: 2:31
